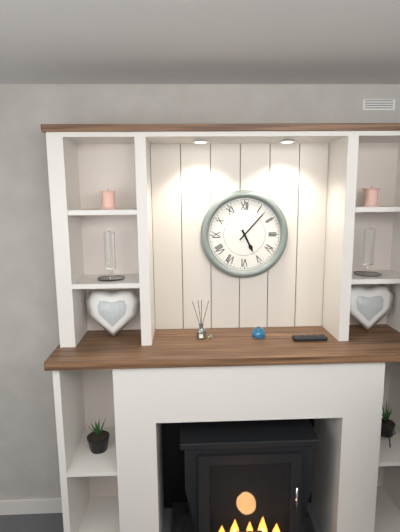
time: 5:07
